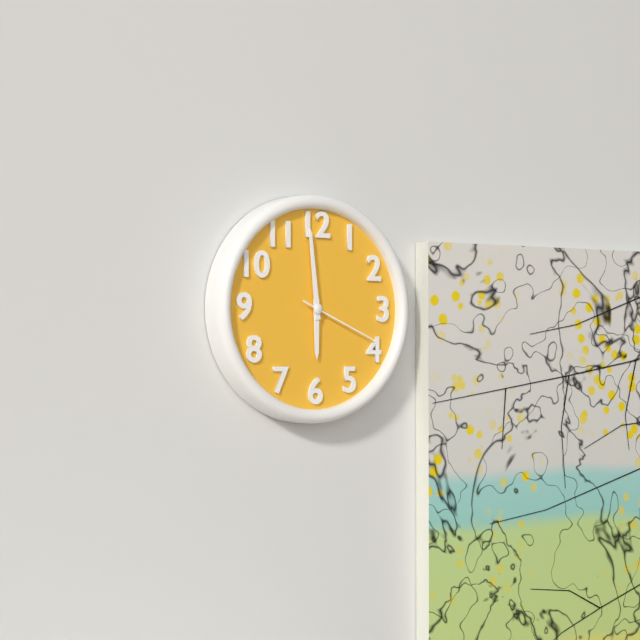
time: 5:59:19
